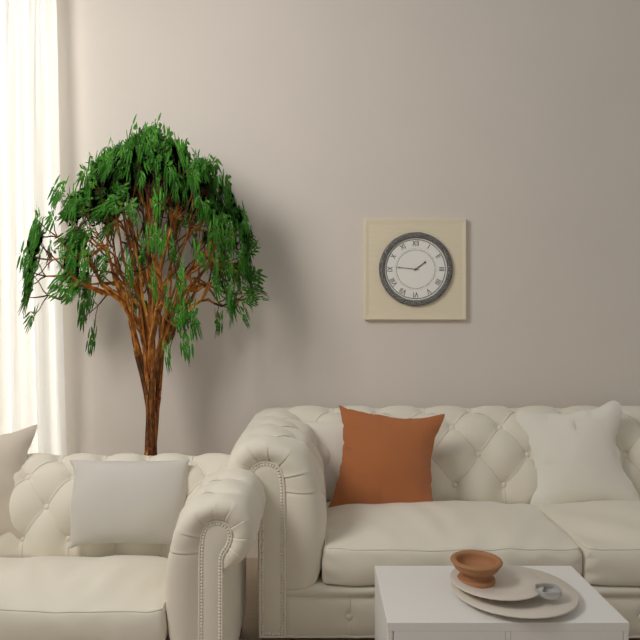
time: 1:46
